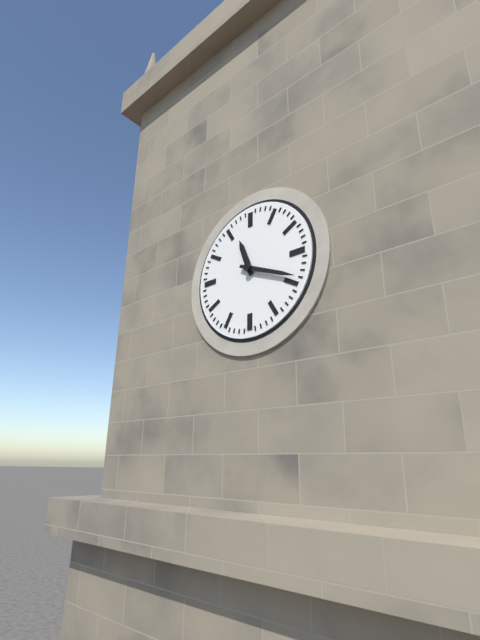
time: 11:19
